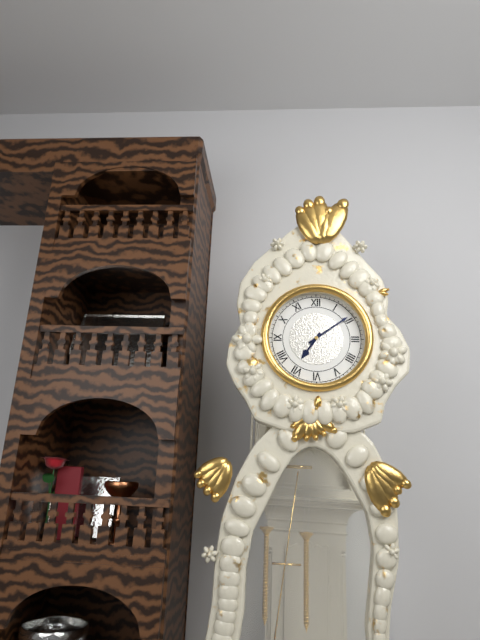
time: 7:09
